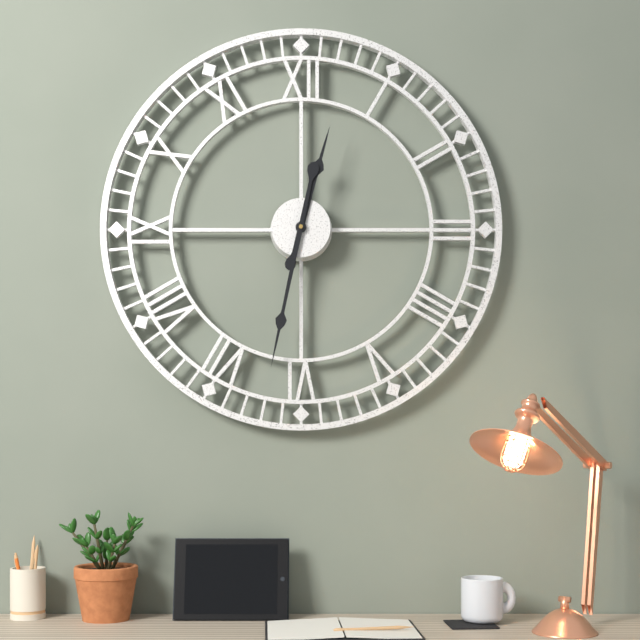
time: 12:32
